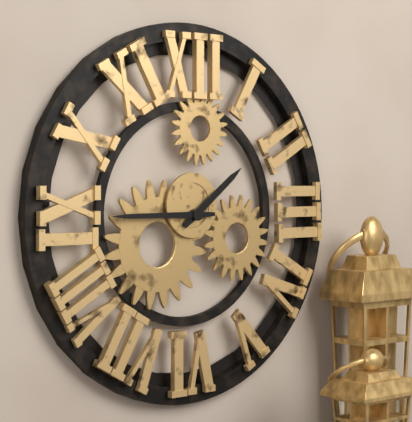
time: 1:45
